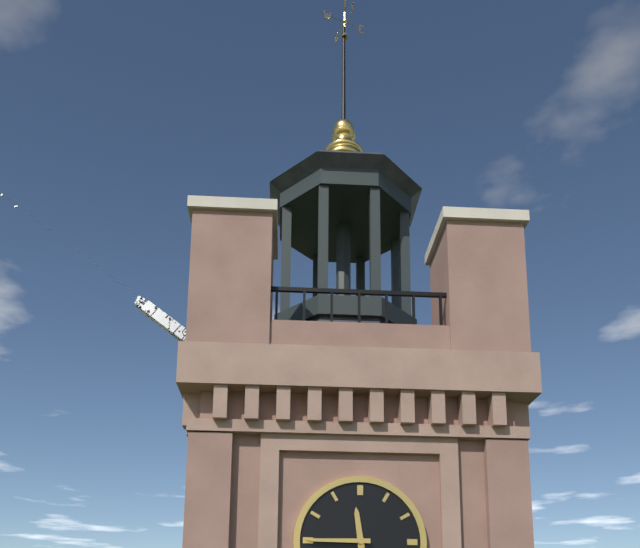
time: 11:45
